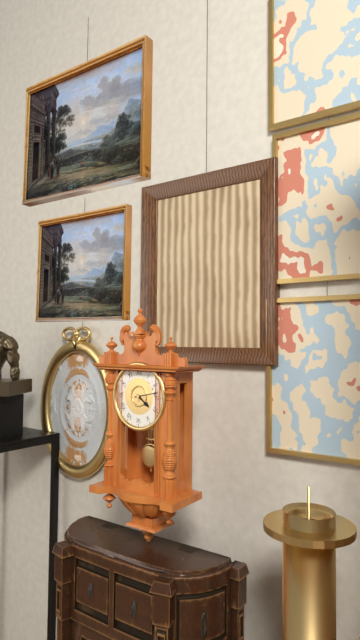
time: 4:13
